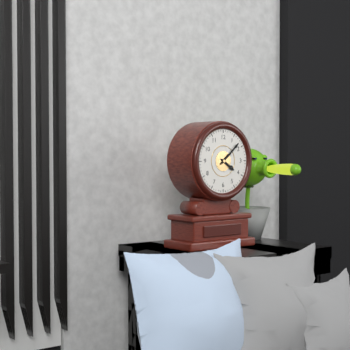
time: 4:08
